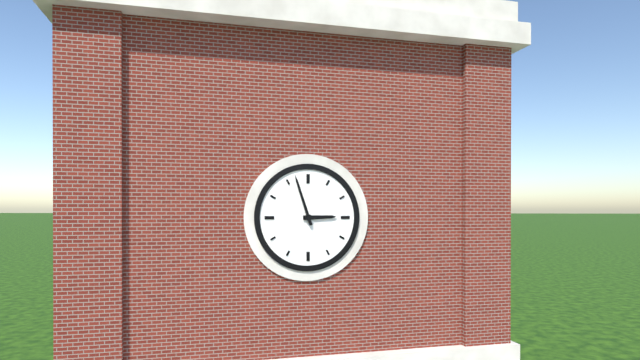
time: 2:57
